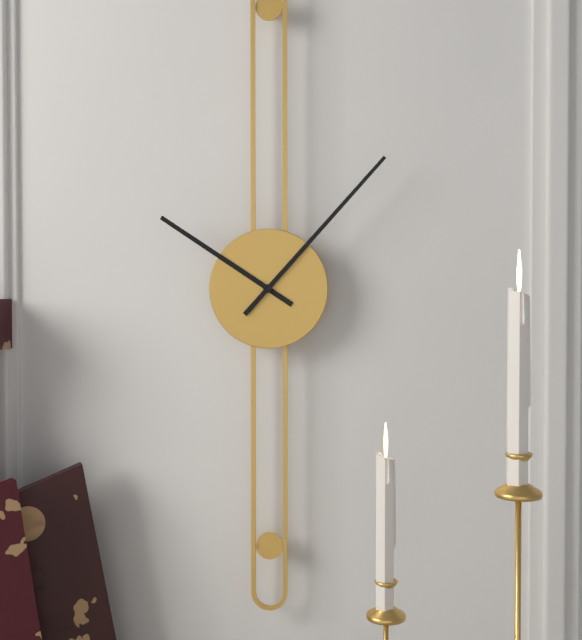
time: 10:07
